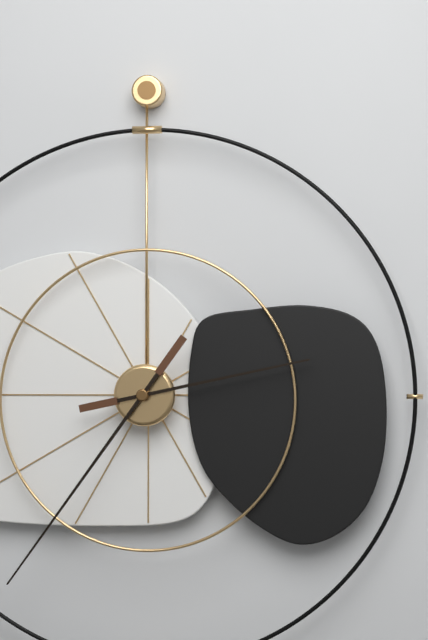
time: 2:36
